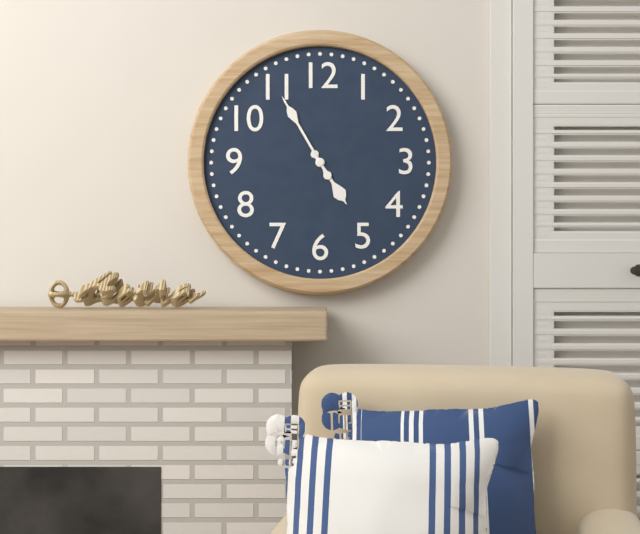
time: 4:55
